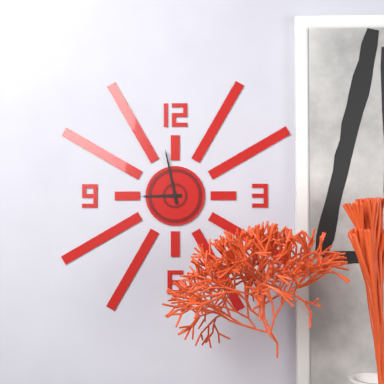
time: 8:58
